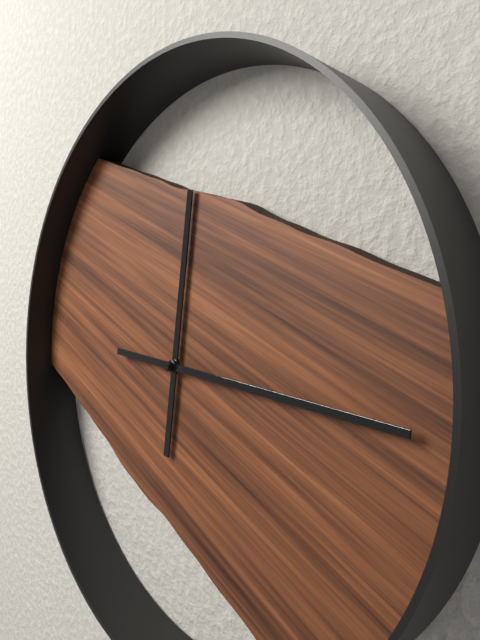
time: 12:16
